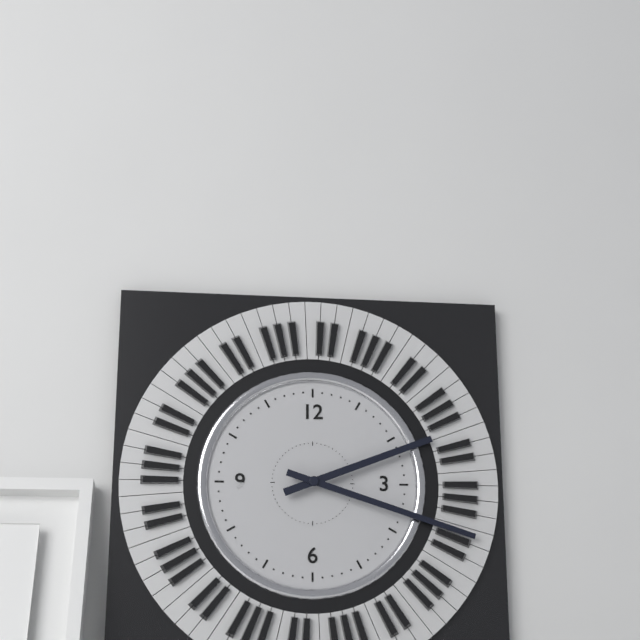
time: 2:18
